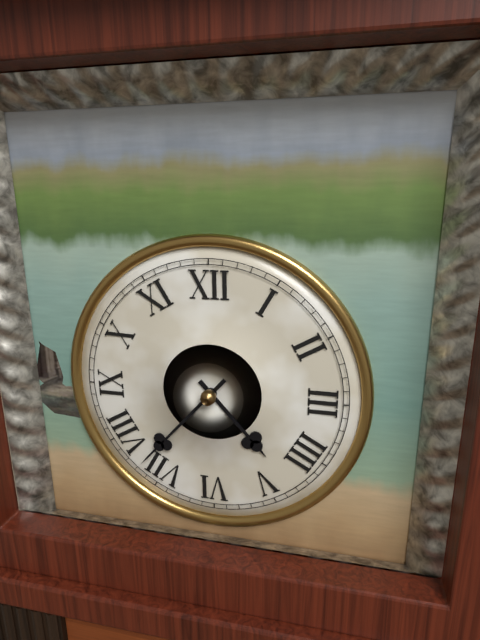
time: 4:37
